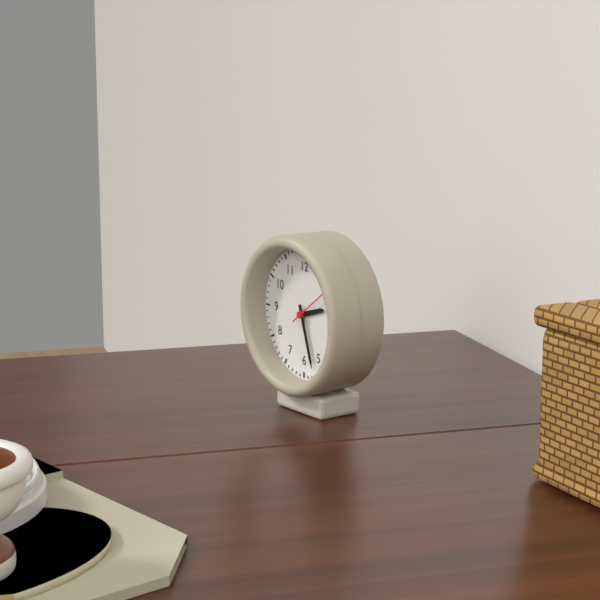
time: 2:27
